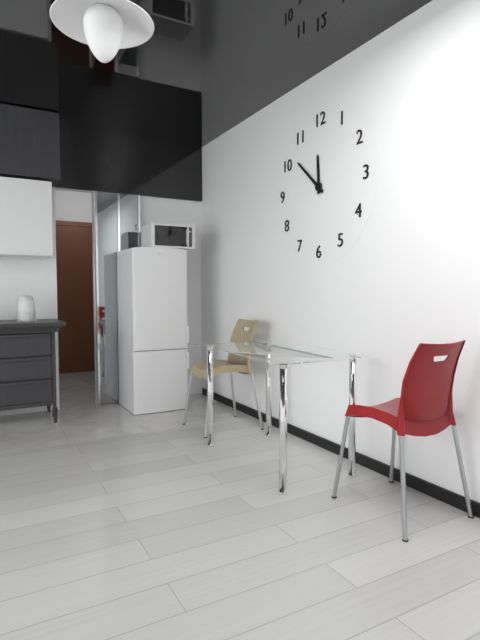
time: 11:52
